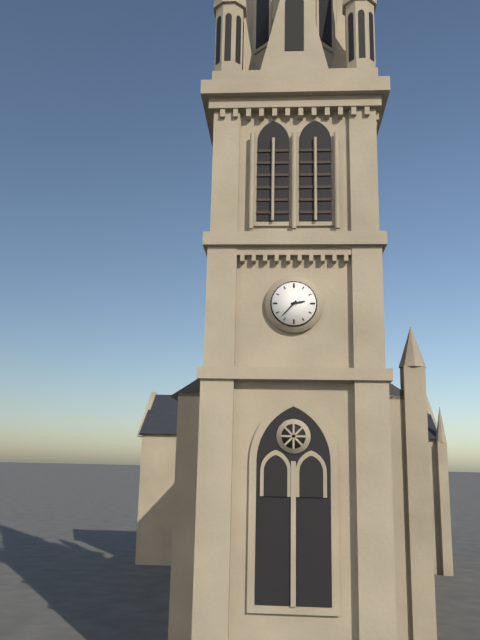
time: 2:37
